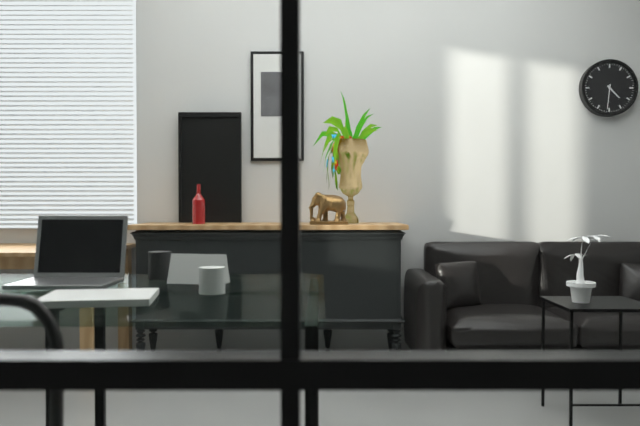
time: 4:31
